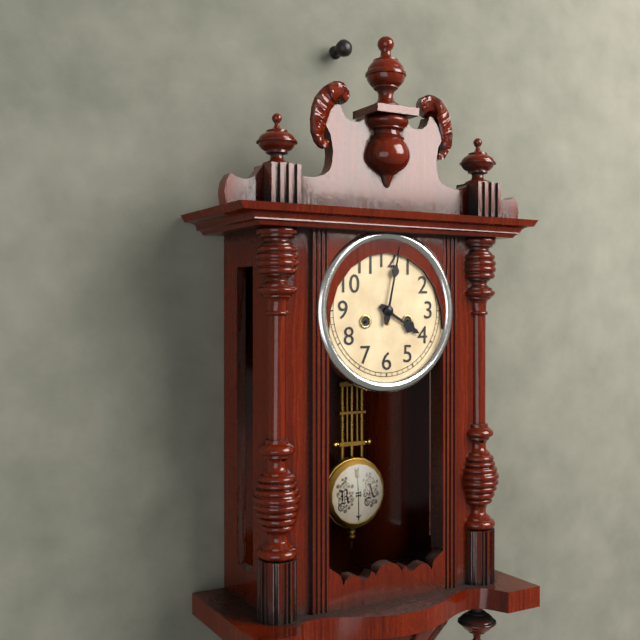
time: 4:02
